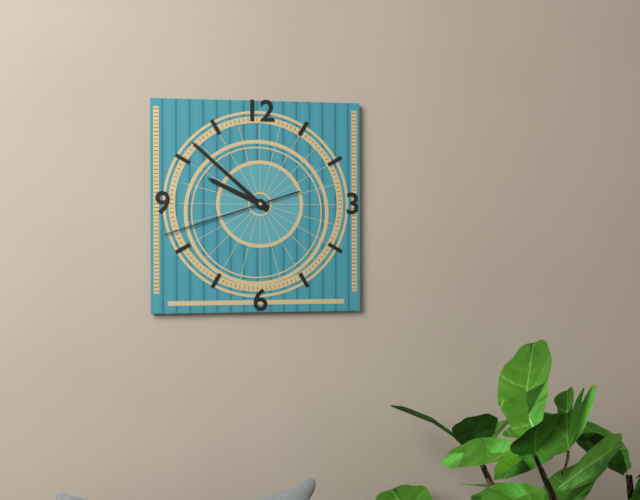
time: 9:52:42
